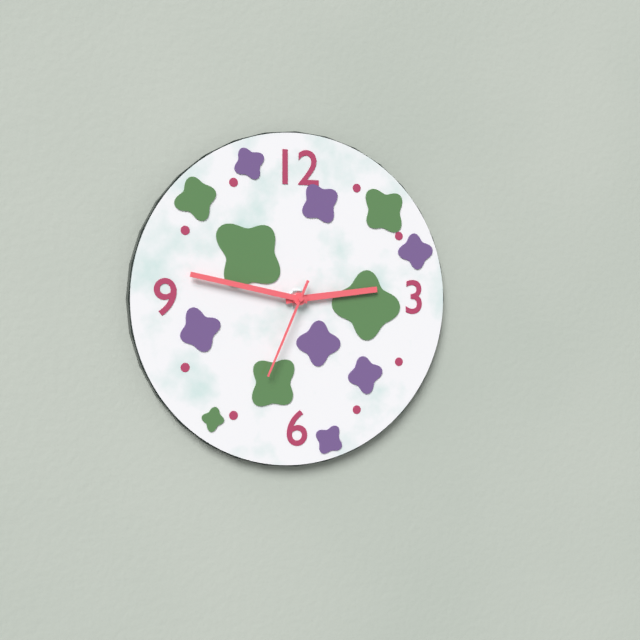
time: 2:47:34
